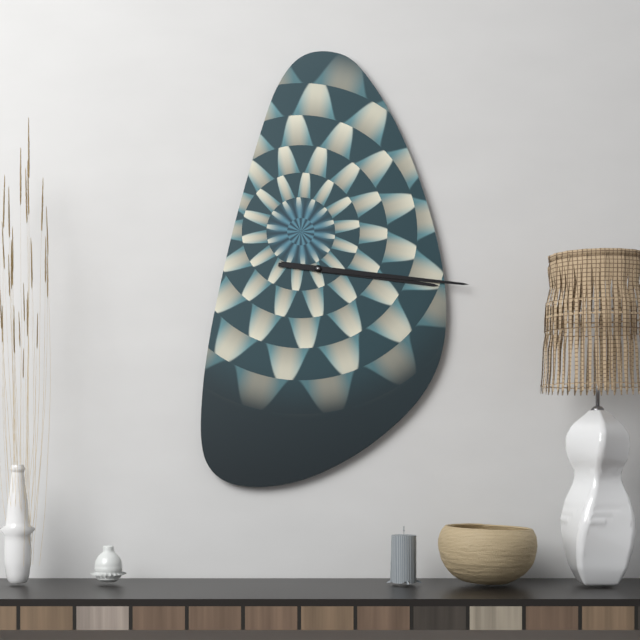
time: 3:16
